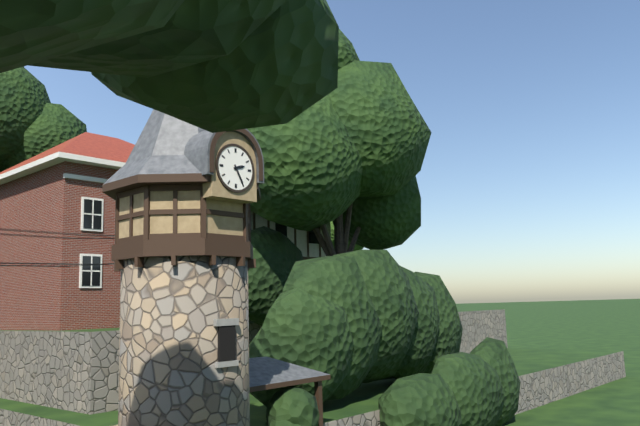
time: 2:25
